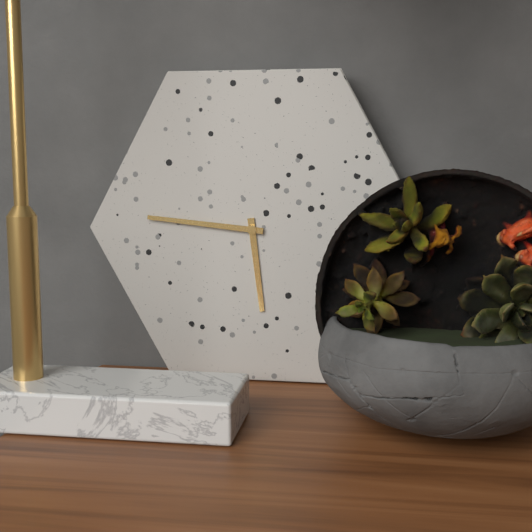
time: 5:46
